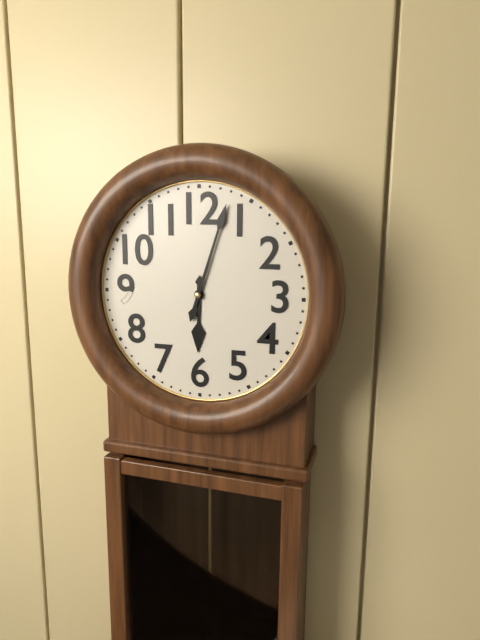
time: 6:03
